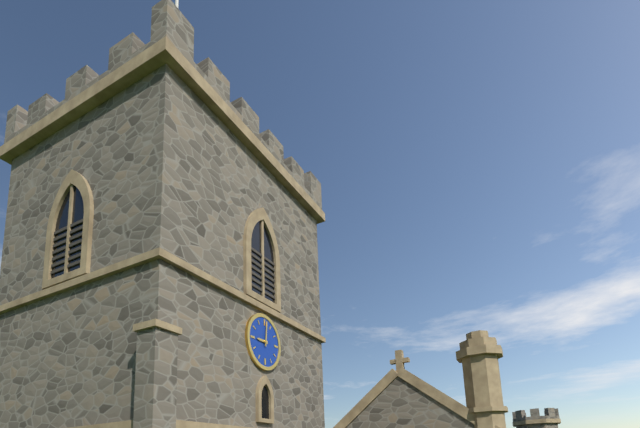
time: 9:01
